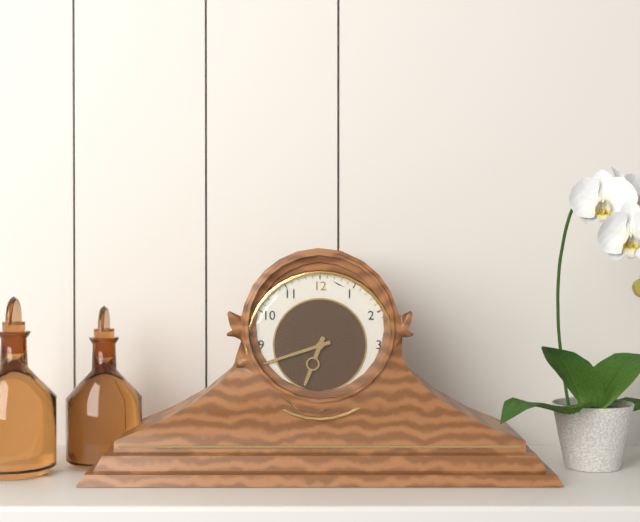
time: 6:42
